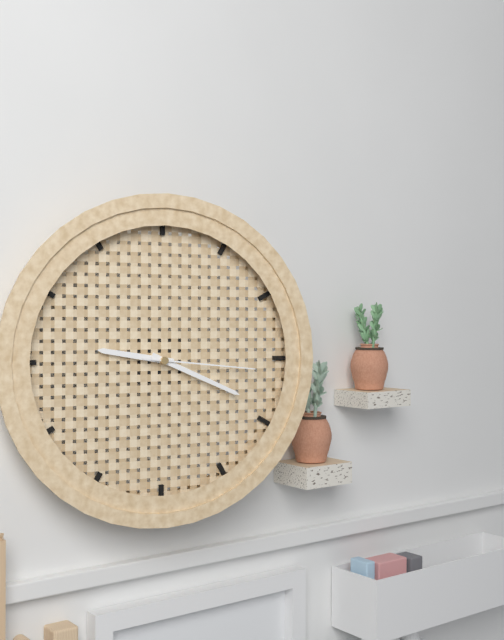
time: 9:19:16
